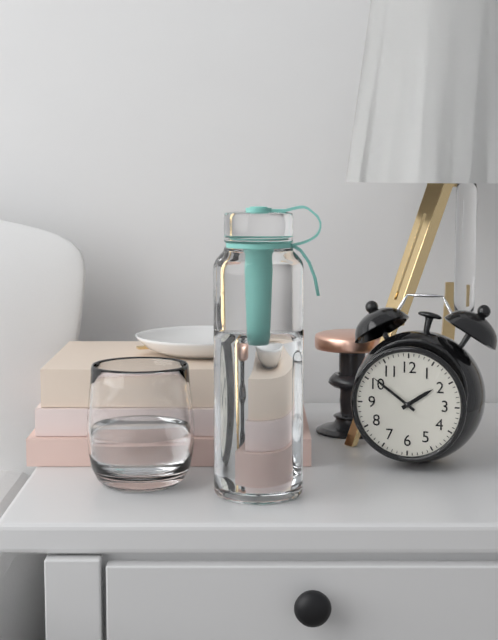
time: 1:51
